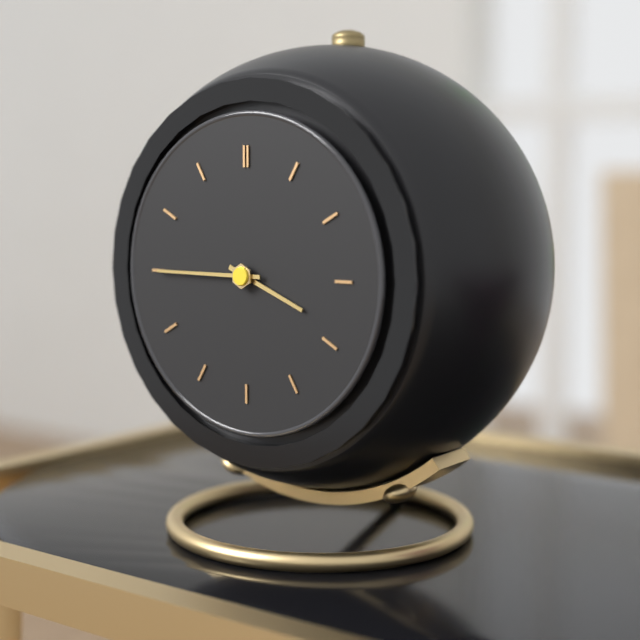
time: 3:45
